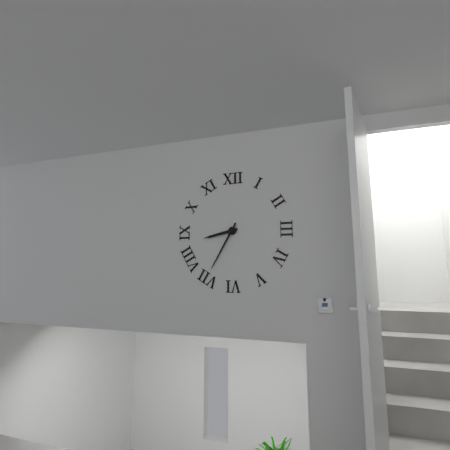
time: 8:35
